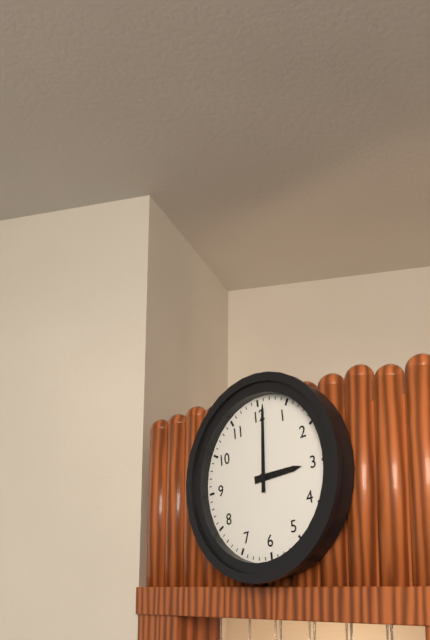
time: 3:01
